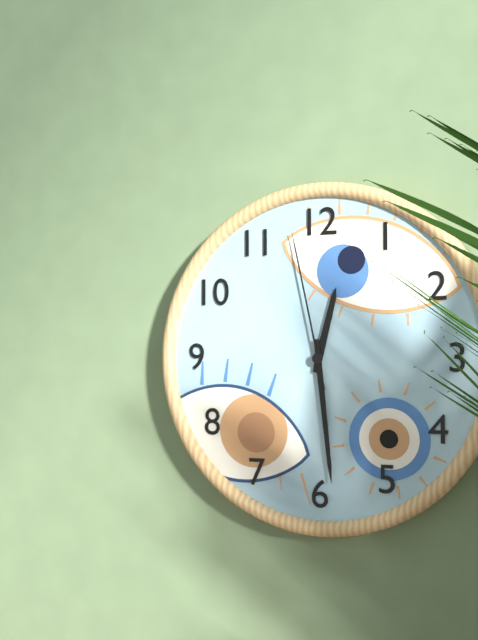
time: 12:29:58
